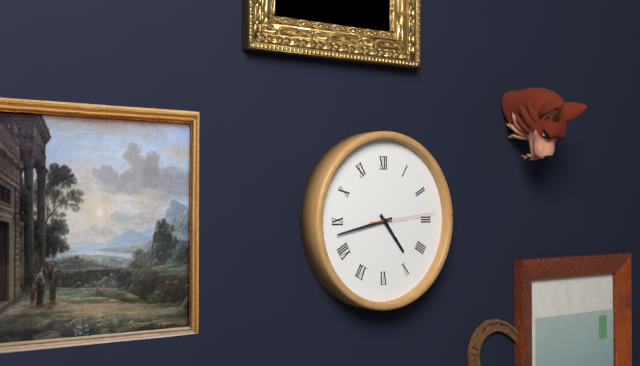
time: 4:43:14
